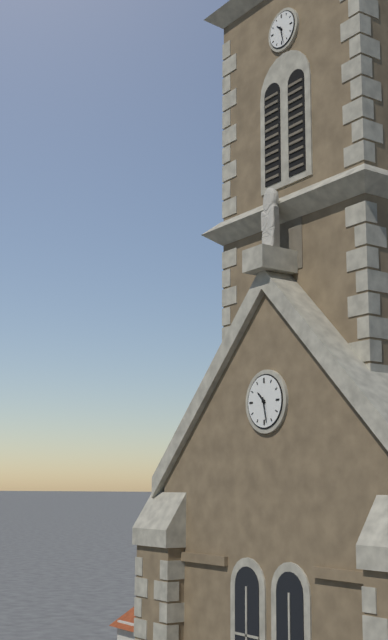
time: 10:28
